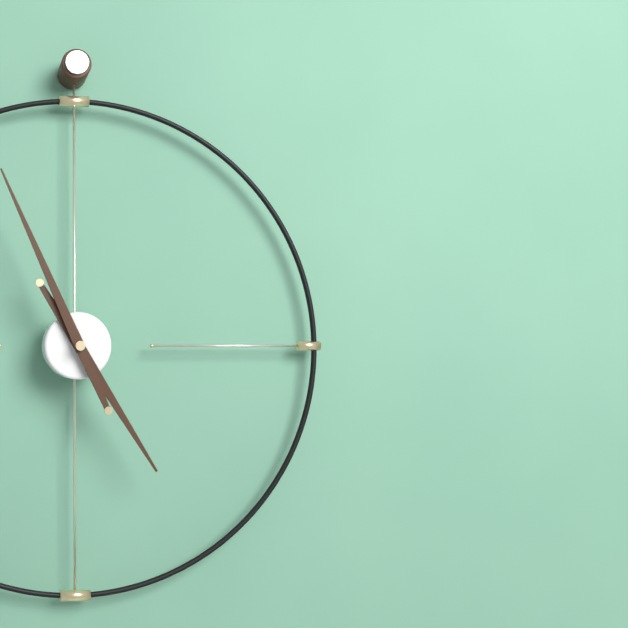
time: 4:56
